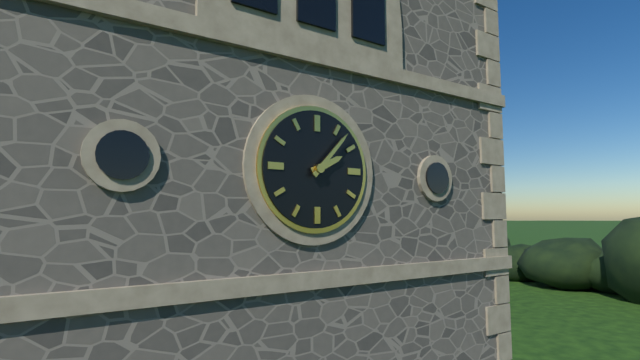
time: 2:07
